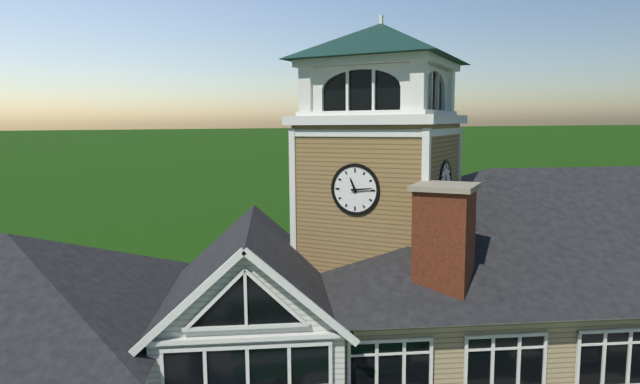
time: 11:14
